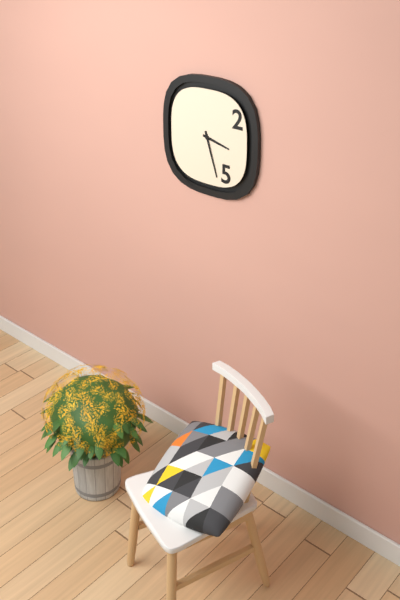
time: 3:27
